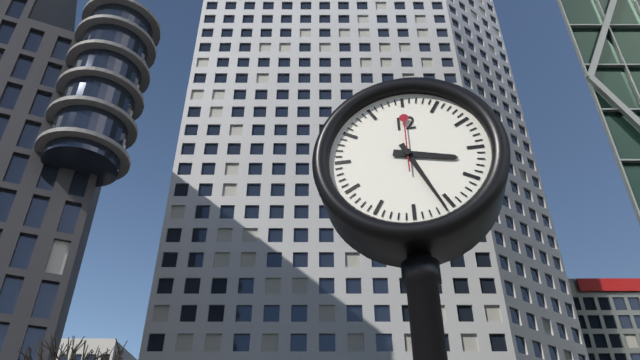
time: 3:26
